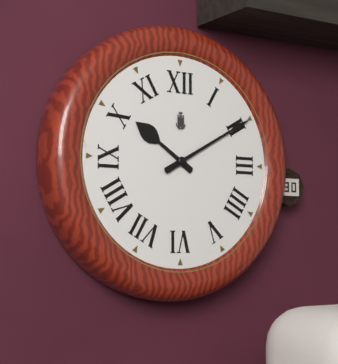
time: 10:10
